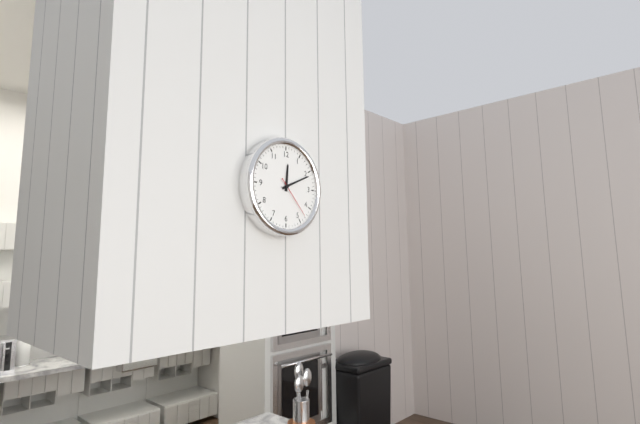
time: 12:11
